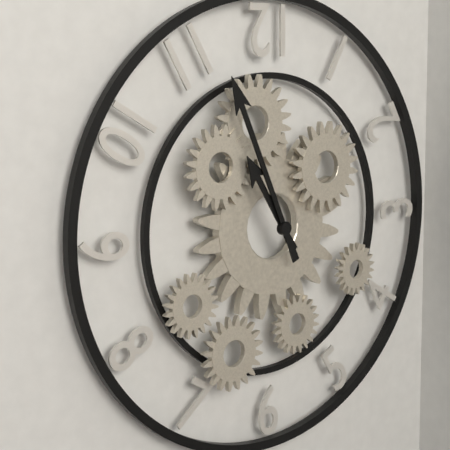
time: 10:56
